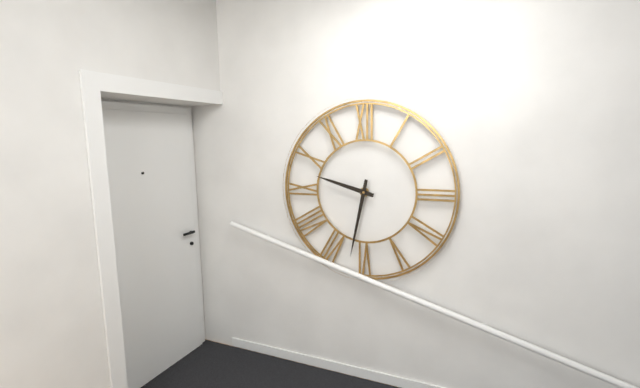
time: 9:32
